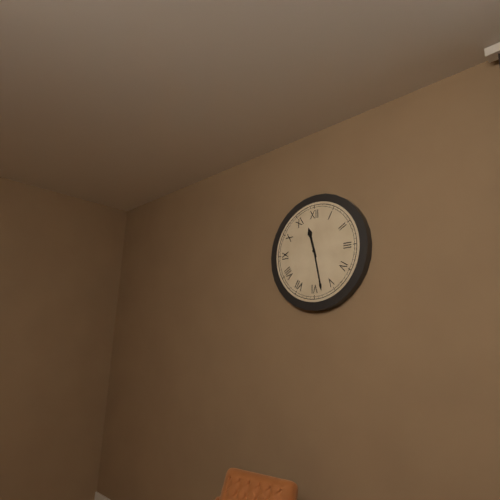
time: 11:28
